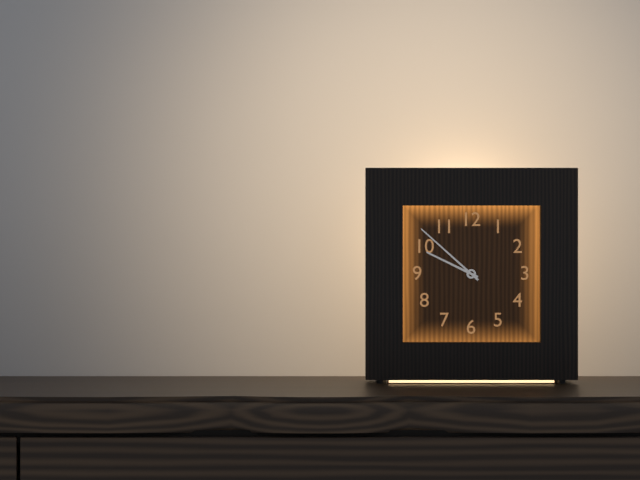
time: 9:52
